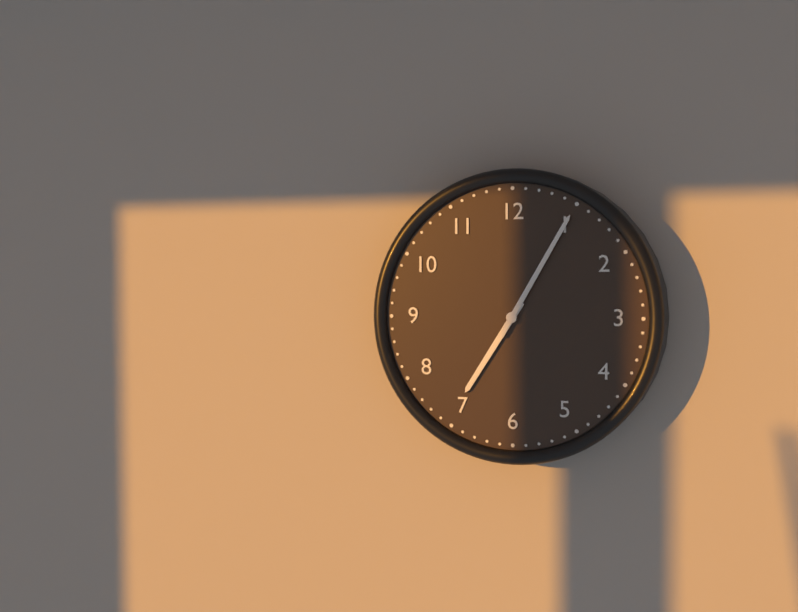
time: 7:05
